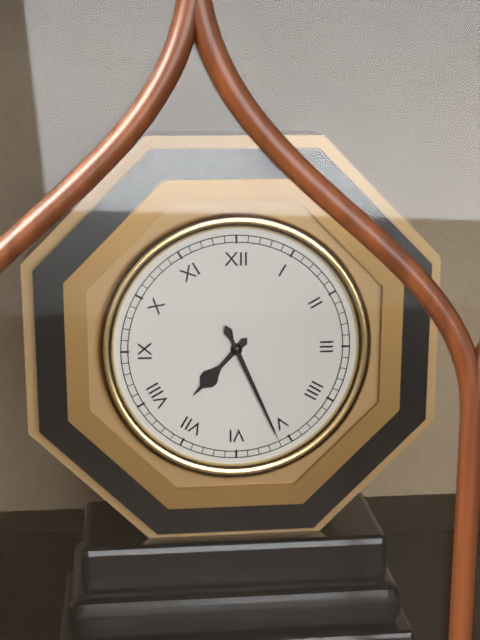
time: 7:26
